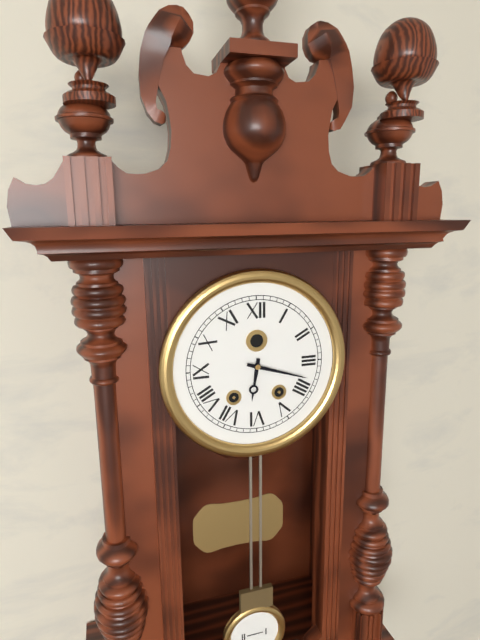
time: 6:18
